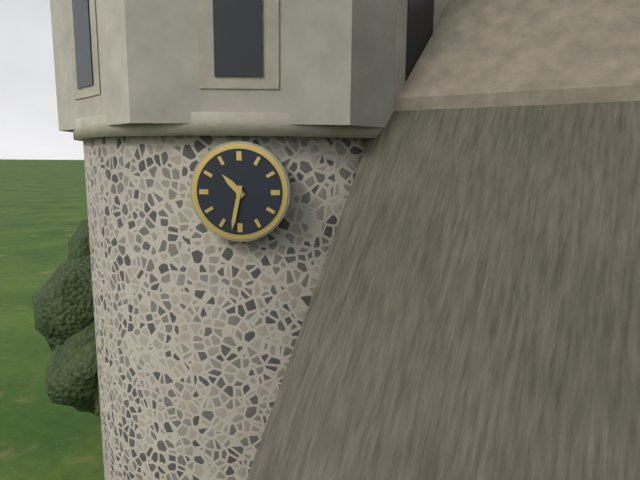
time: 10:32
